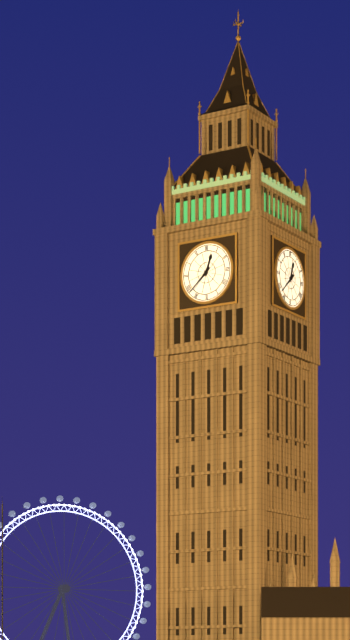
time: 12:38
